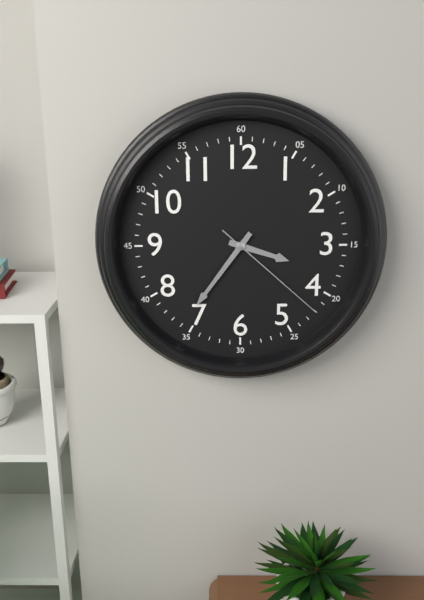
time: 3:36:22
